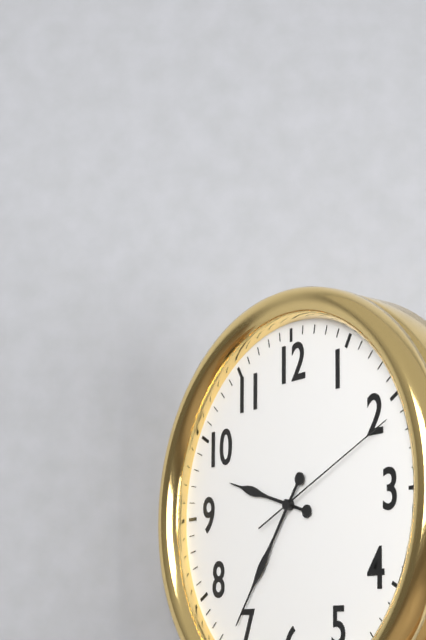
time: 9:36:11
